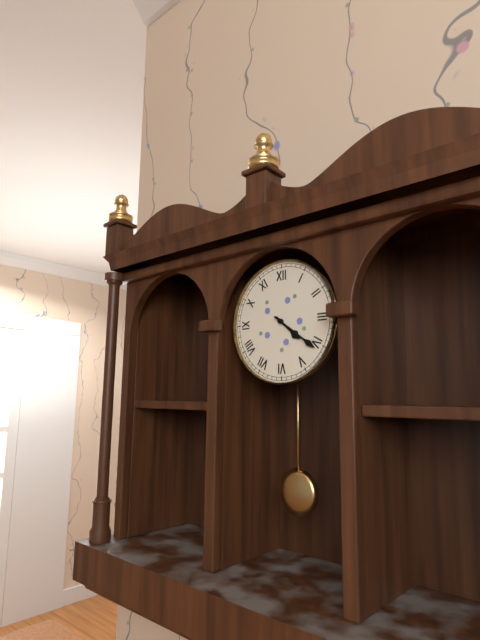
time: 4:21
